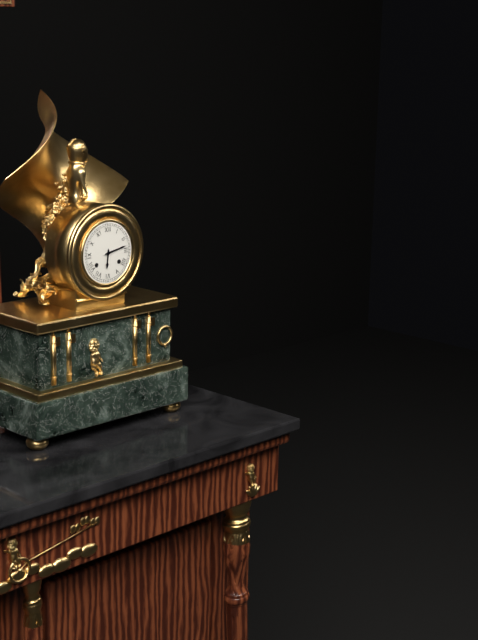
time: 6:13
